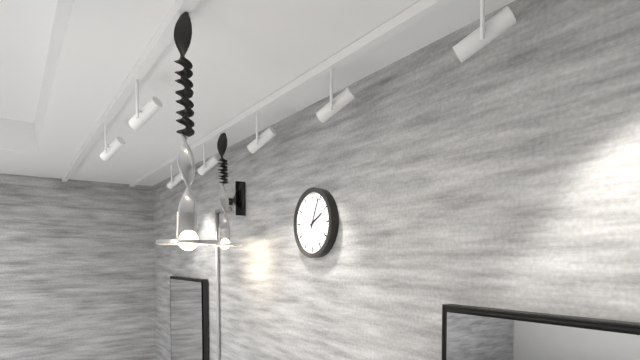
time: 2:04
